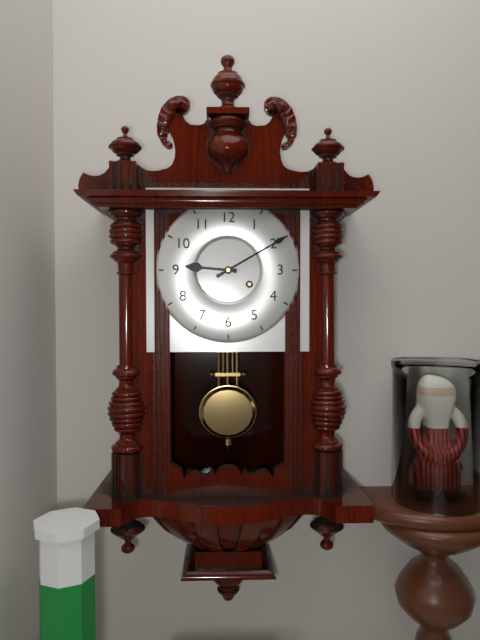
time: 9:10
